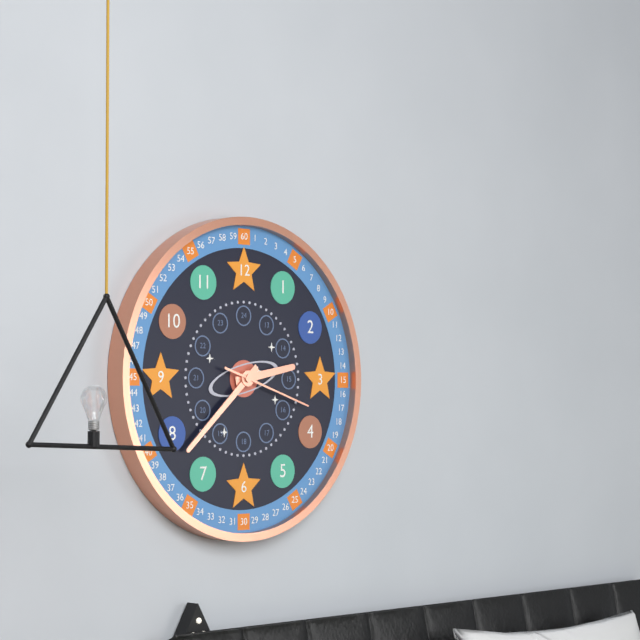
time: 2:38:18
